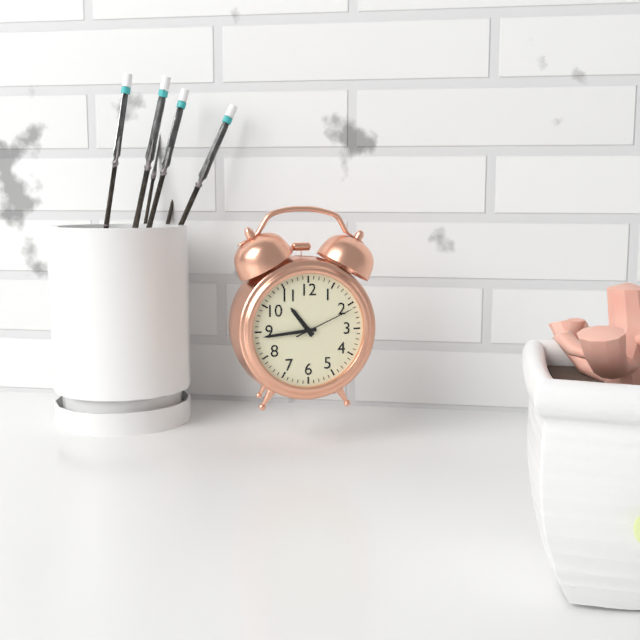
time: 10:44:11
